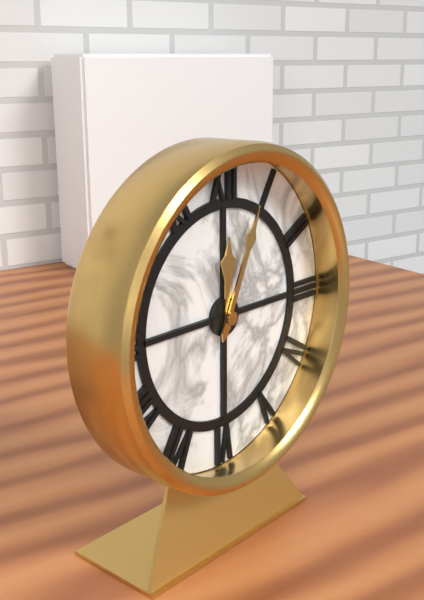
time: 12:04
